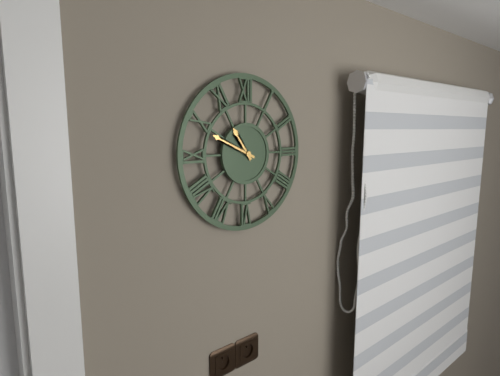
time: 10:49
